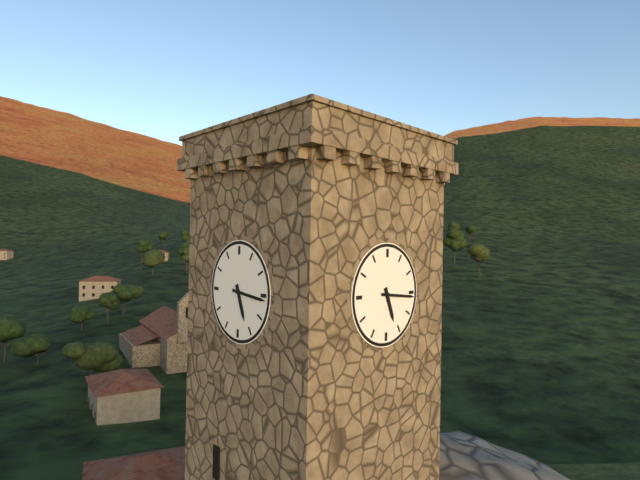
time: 5:16
